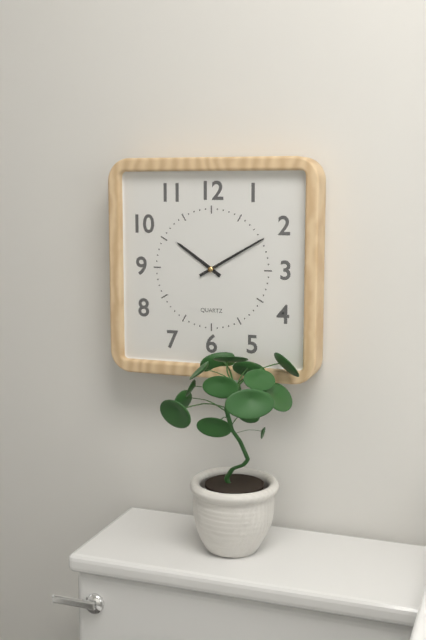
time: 10:10
